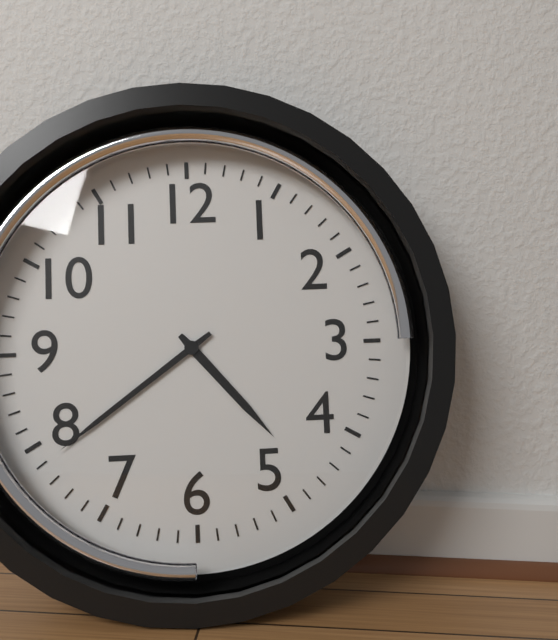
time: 4:39
